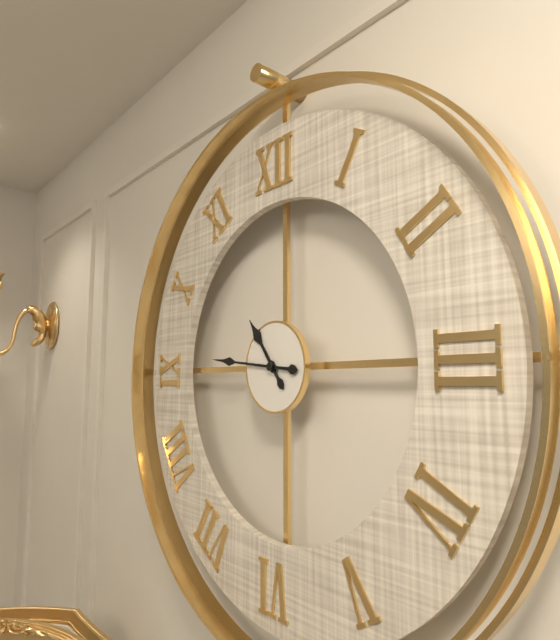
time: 10:46
